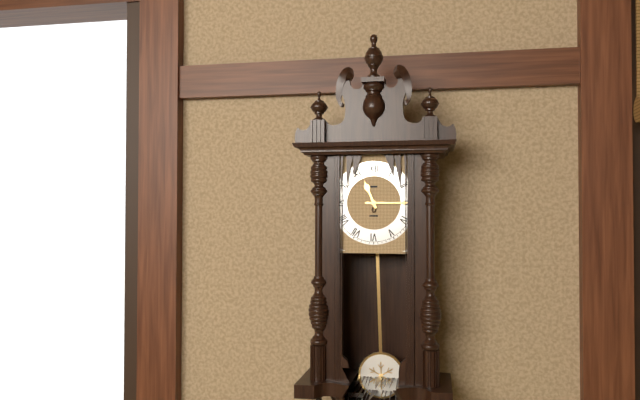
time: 11:15
